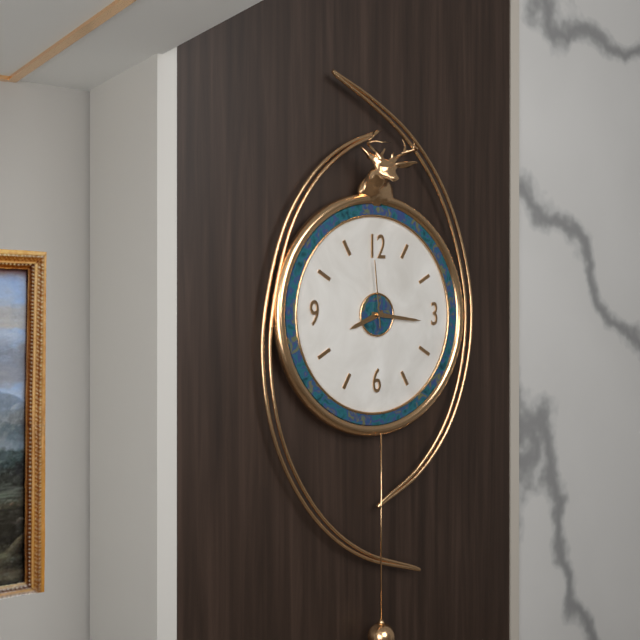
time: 8:16:59
